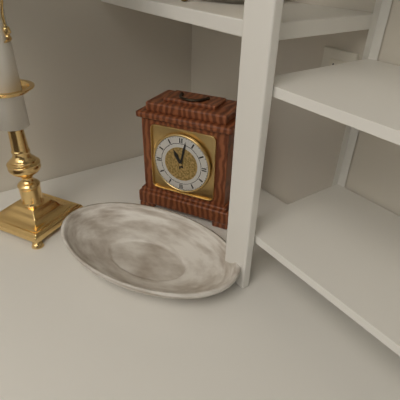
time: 11:02
